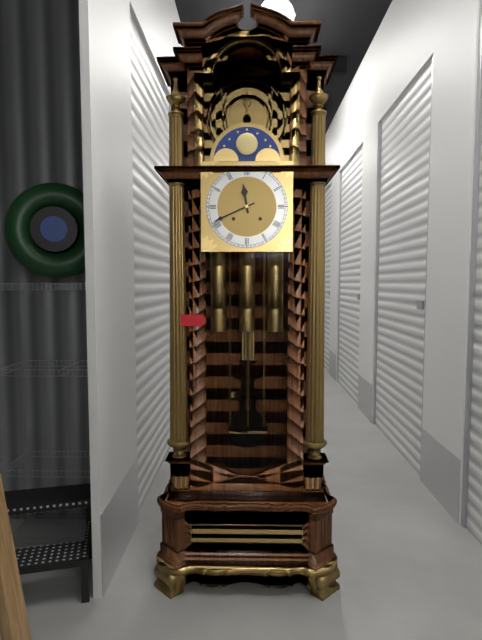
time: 11:41
